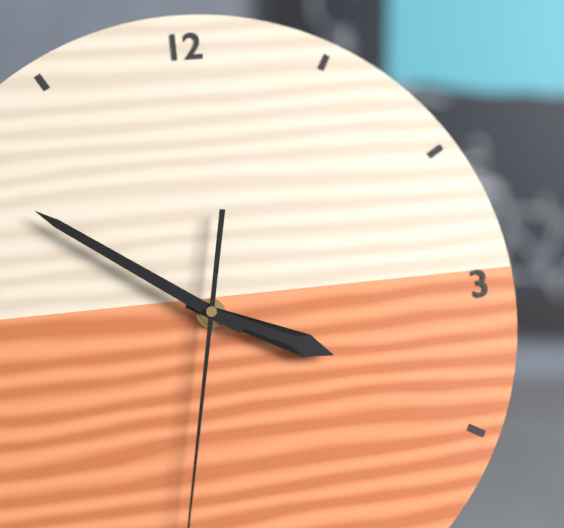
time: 3:51
